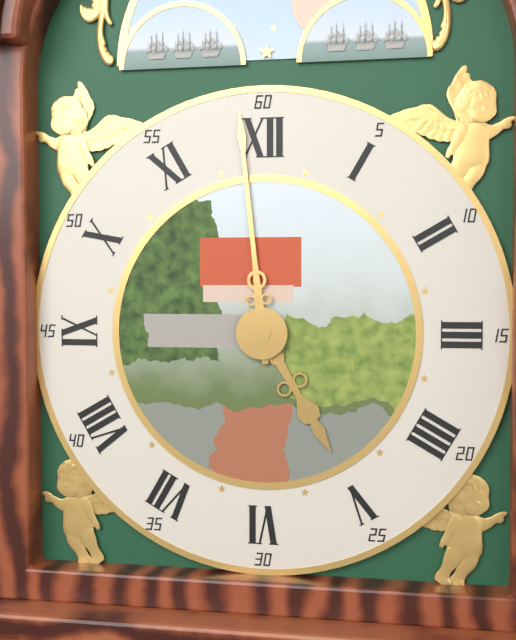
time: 4:59
